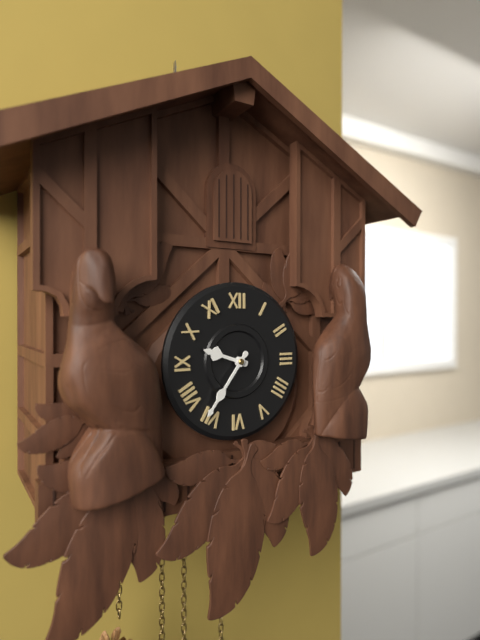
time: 9:36
